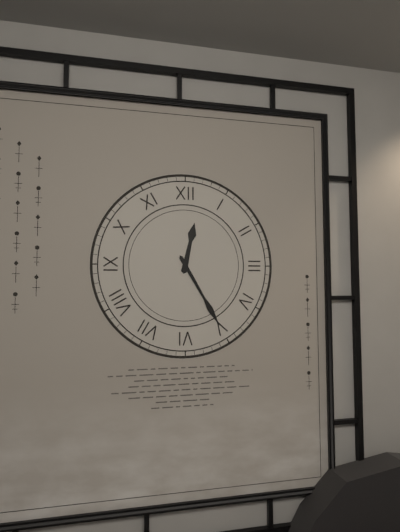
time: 12:25
